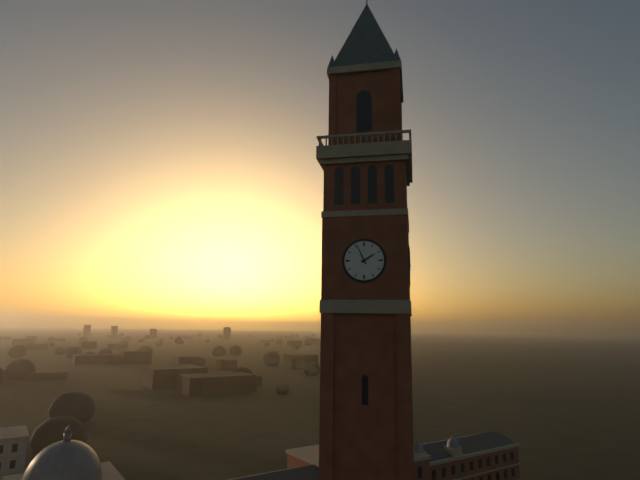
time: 1:56
